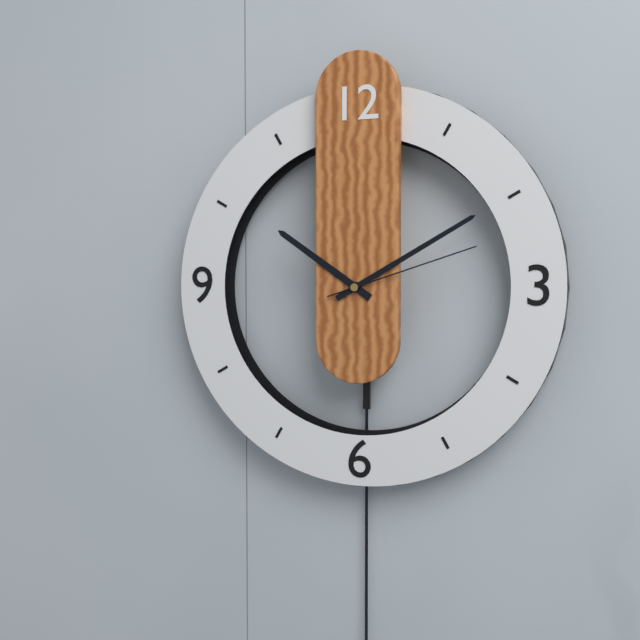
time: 10:10:12
